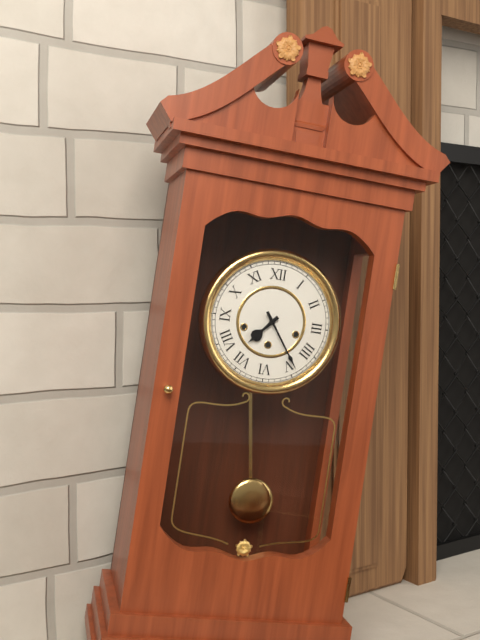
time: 7:24
